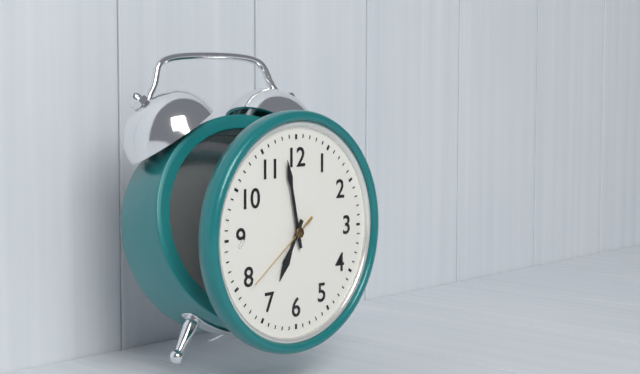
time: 6:58:39
